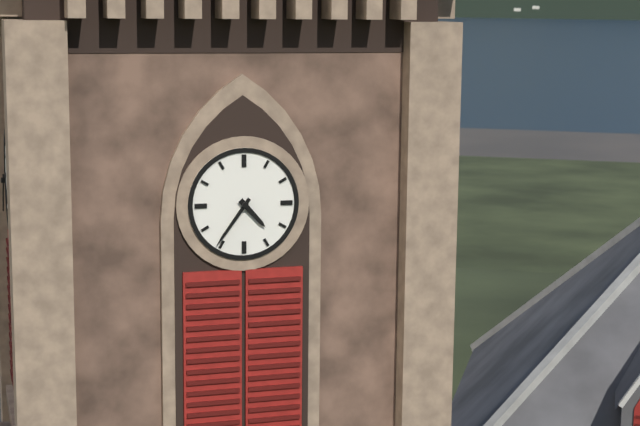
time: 4:36
